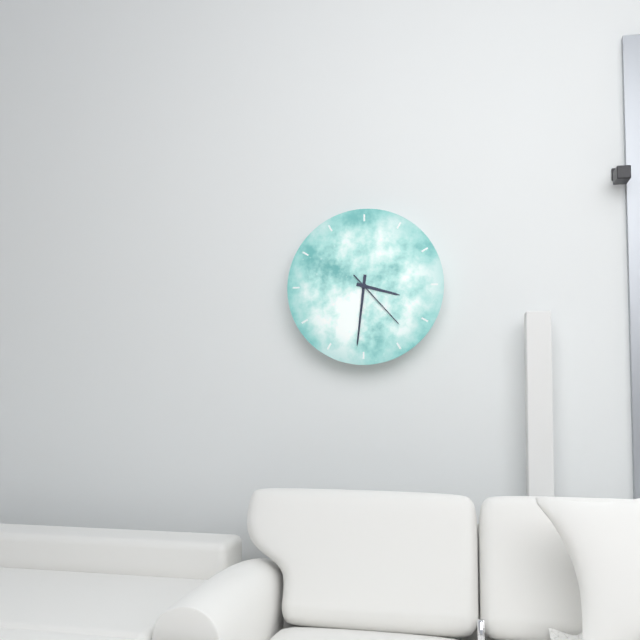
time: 3:31:23
